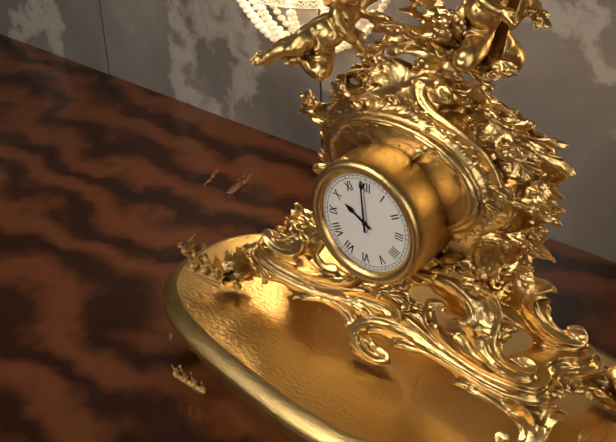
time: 9:59
